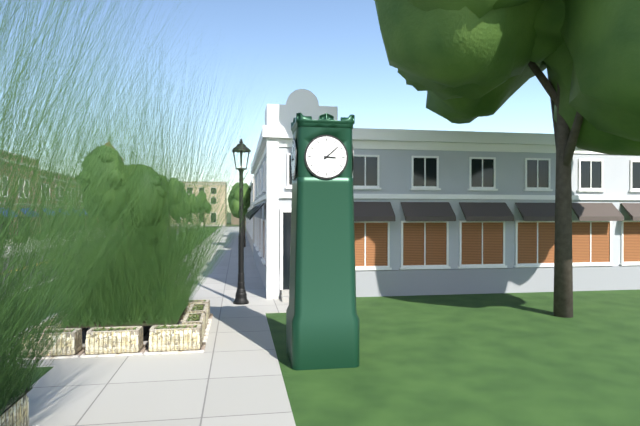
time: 3:08
